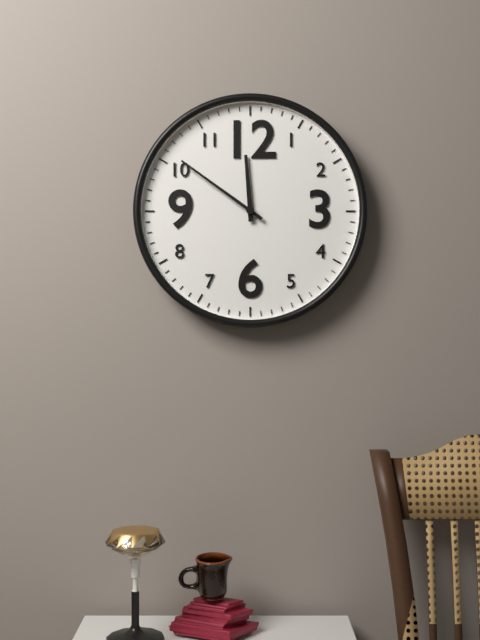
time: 11:51
